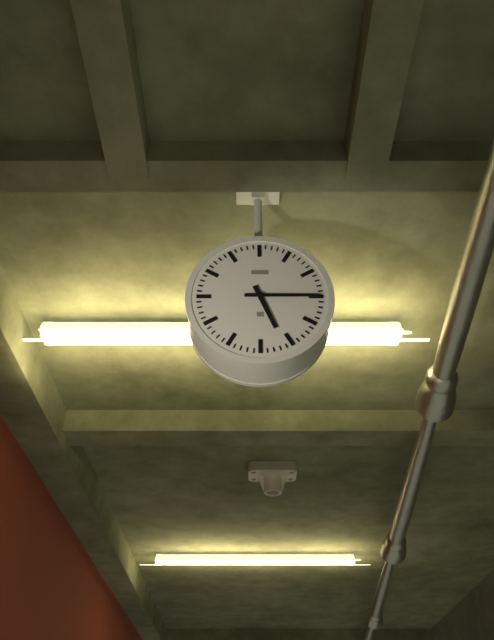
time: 5:15
